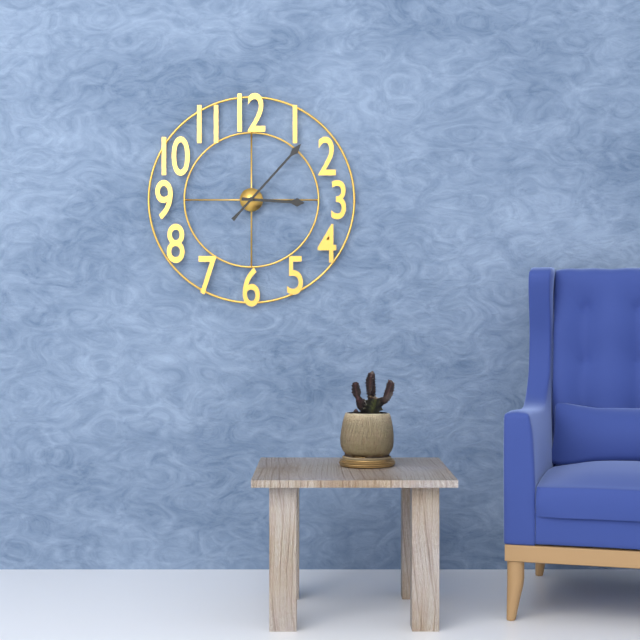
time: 3:07
